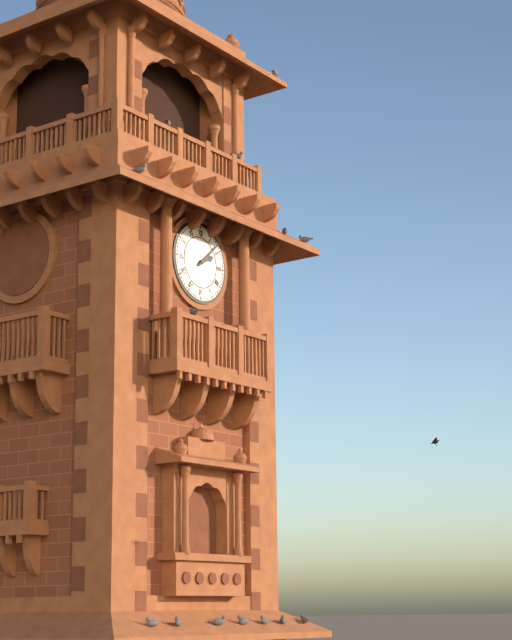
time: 2:08
